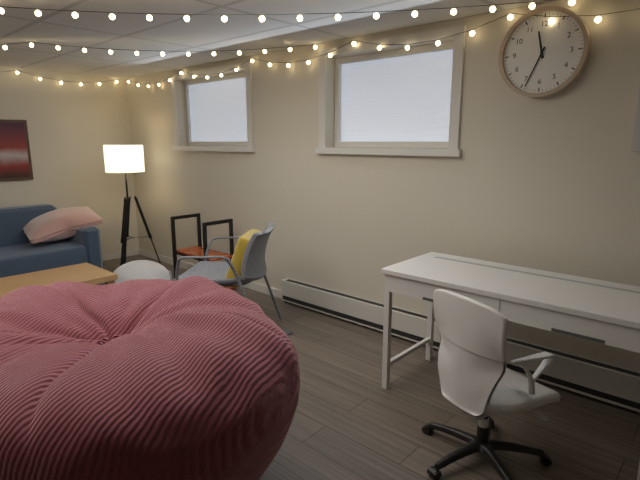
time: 11:34
